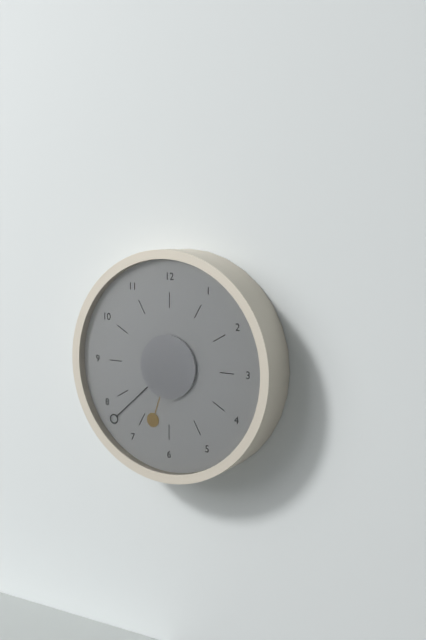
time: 6:38
